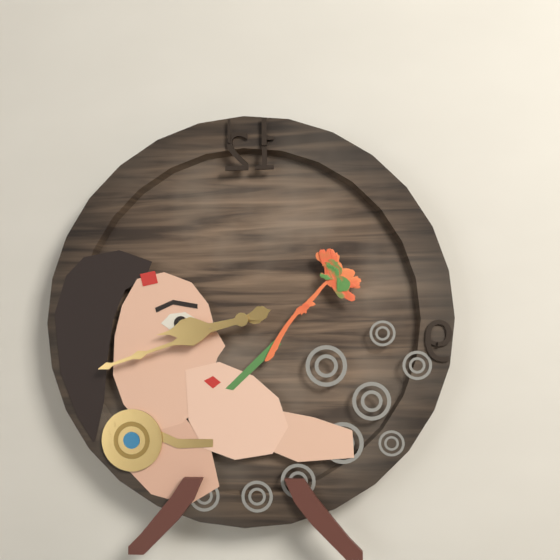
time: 8:42
